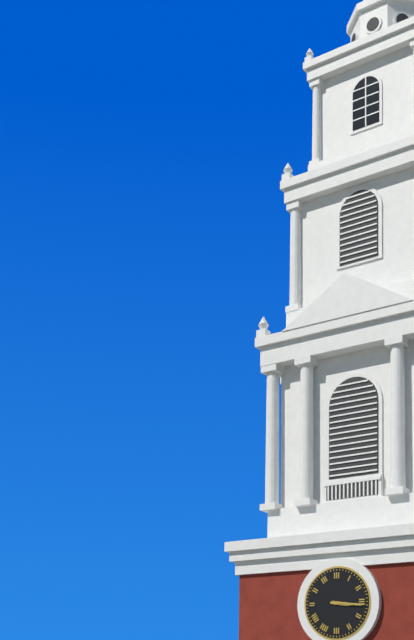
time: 3:16
